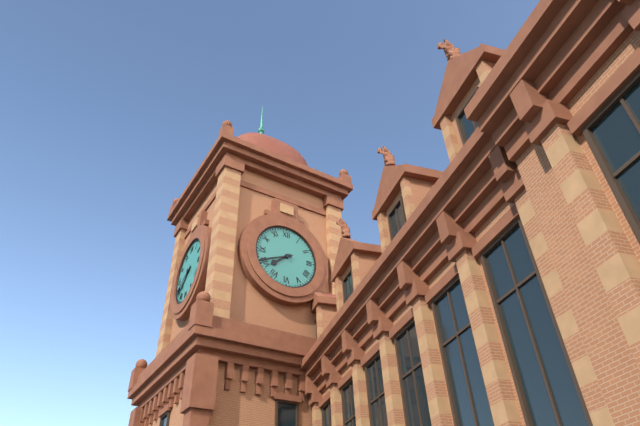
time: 7:41
